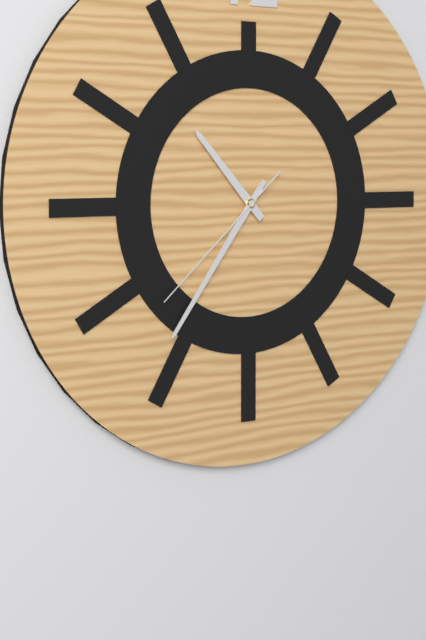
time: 10:36:38
